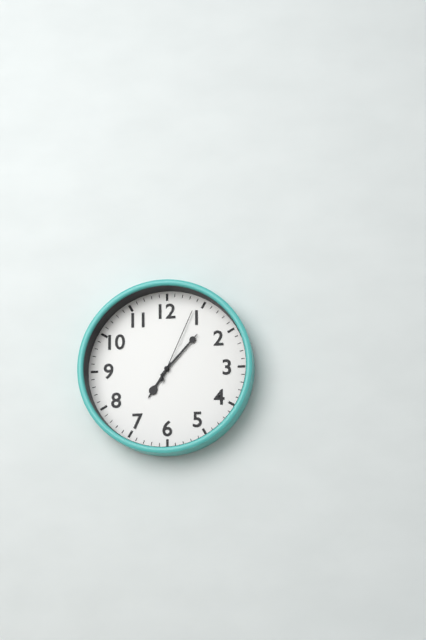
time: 7:07:04
